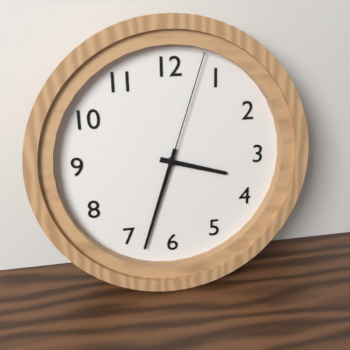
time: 3:33:03
